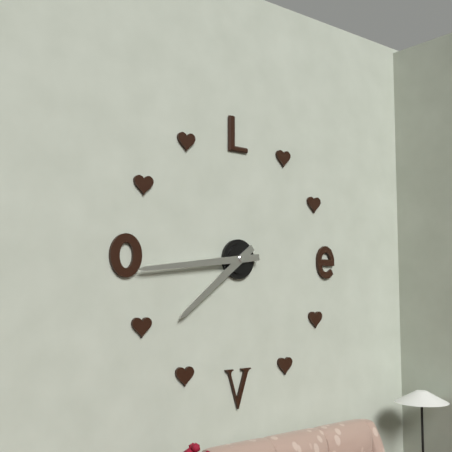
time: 7:44
